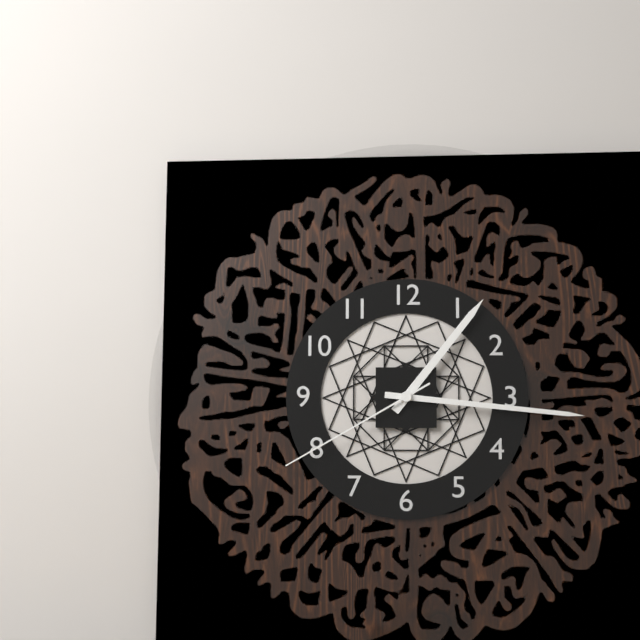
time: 1:16:40
